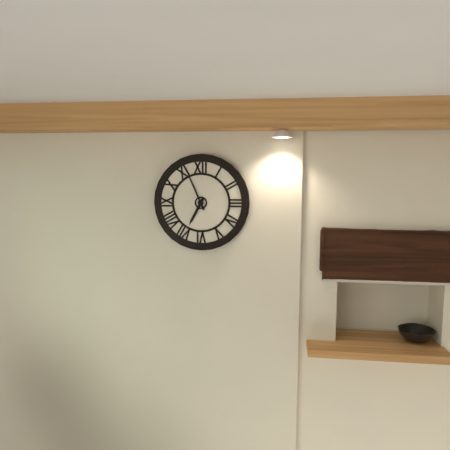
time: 6:56
